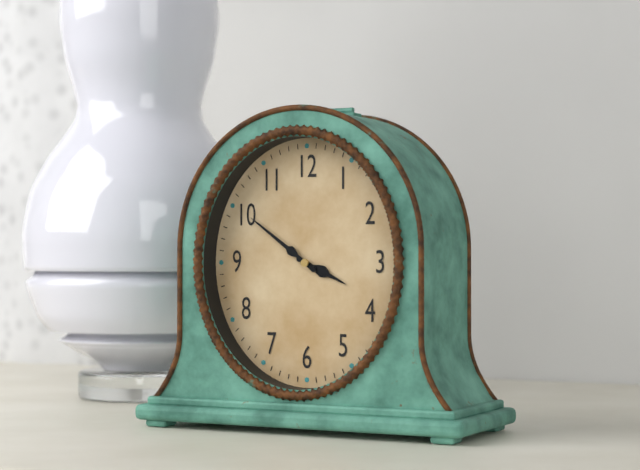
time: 3:51
